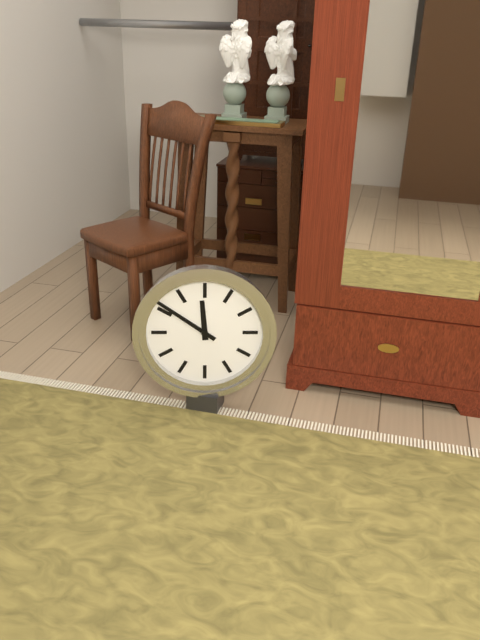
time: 11:51
